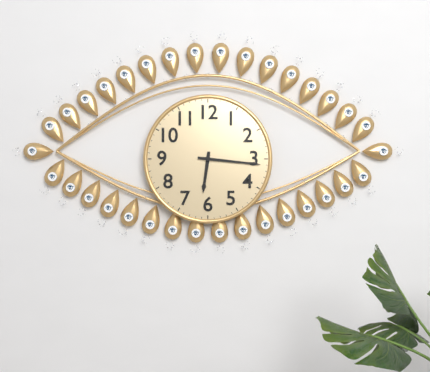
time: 6:16
